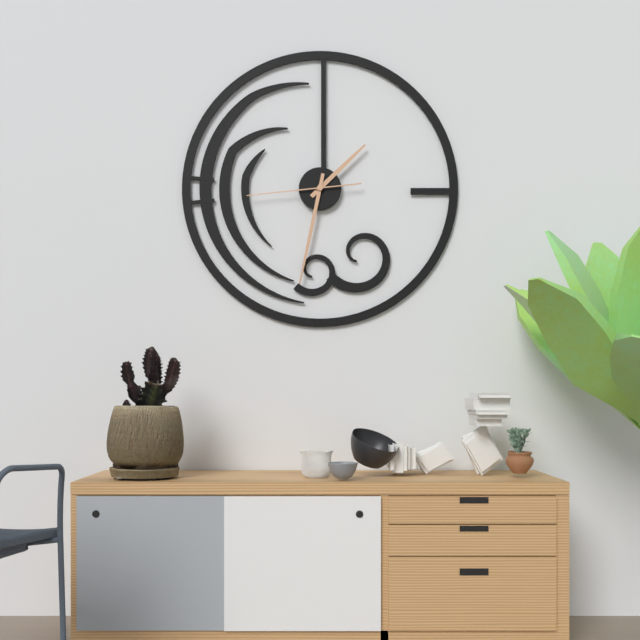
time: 1:32:44
